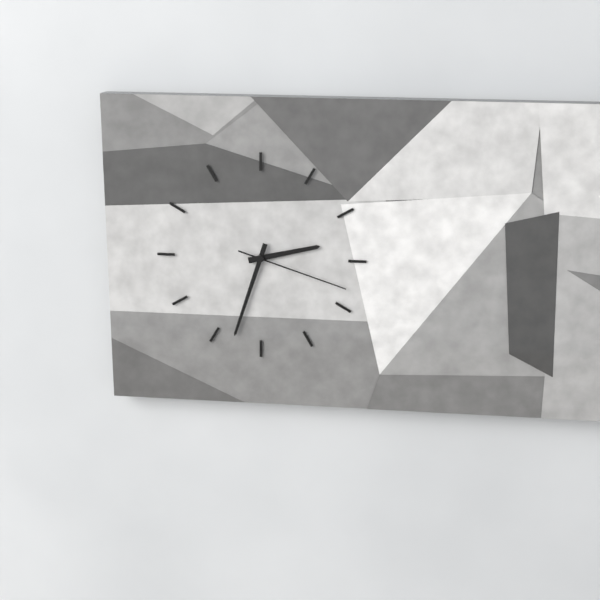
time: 2:33:18
